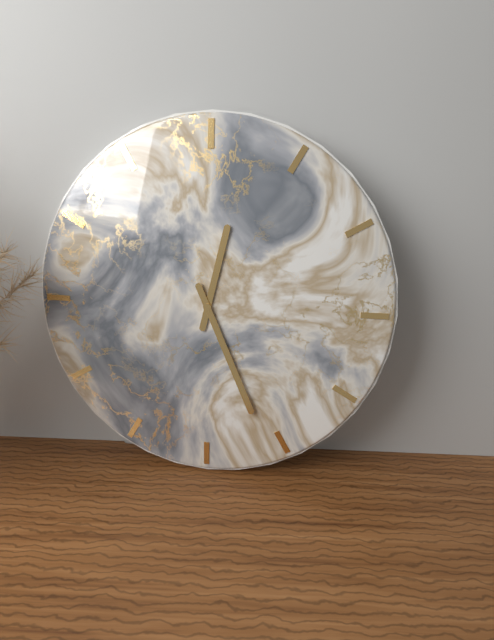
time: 12:26
